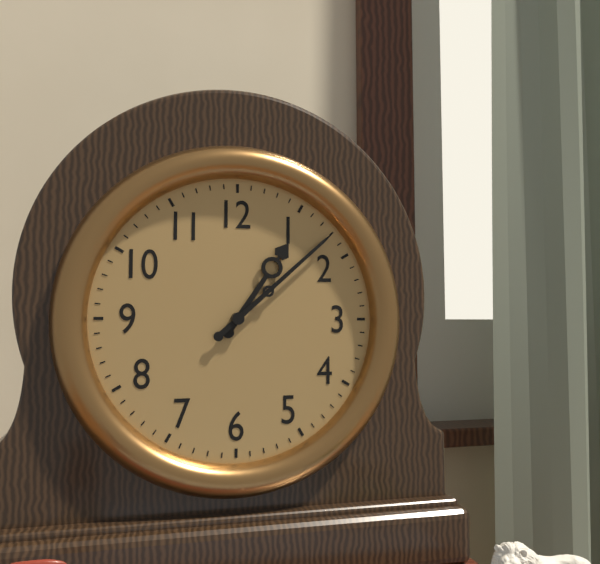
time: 1:08
